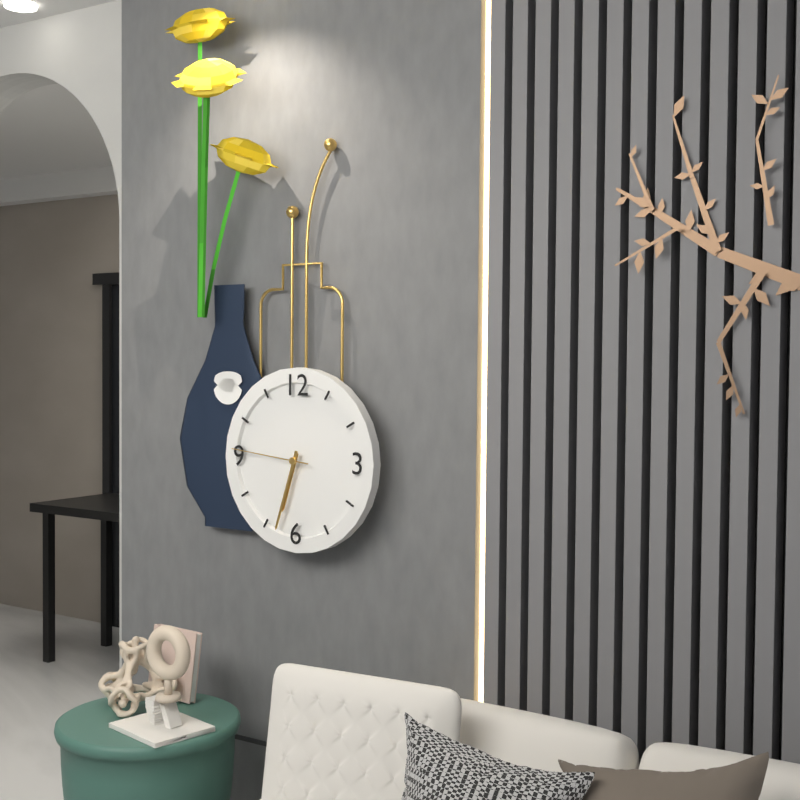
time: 6:33:46
